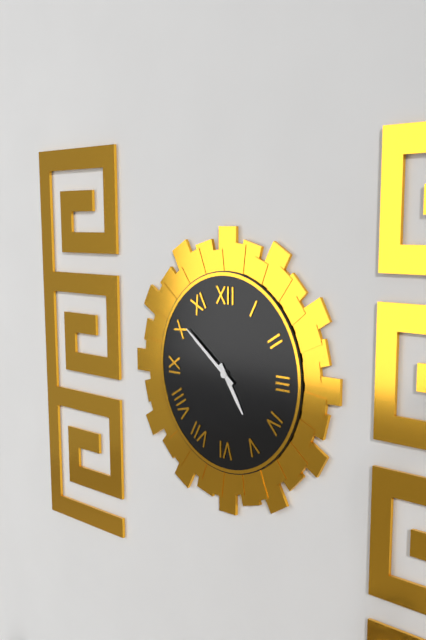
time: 4:51
